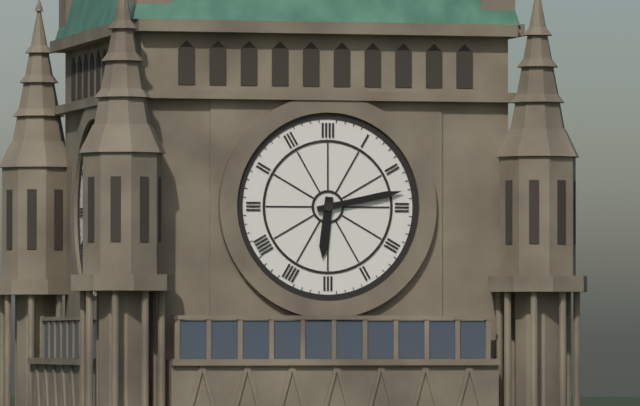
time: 6:13
